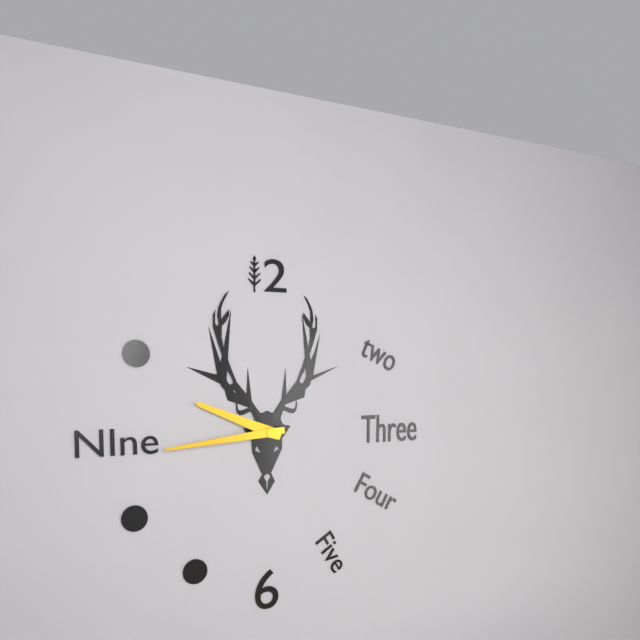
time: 9:44
